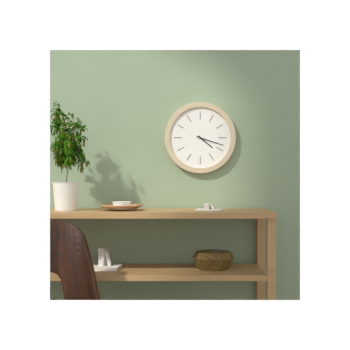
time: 4:18
